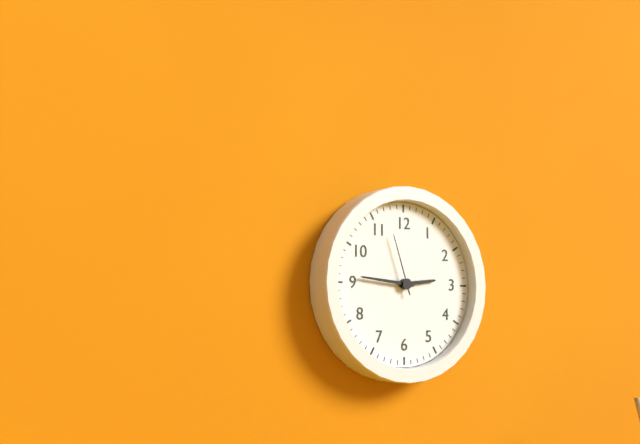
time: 2:46:57
